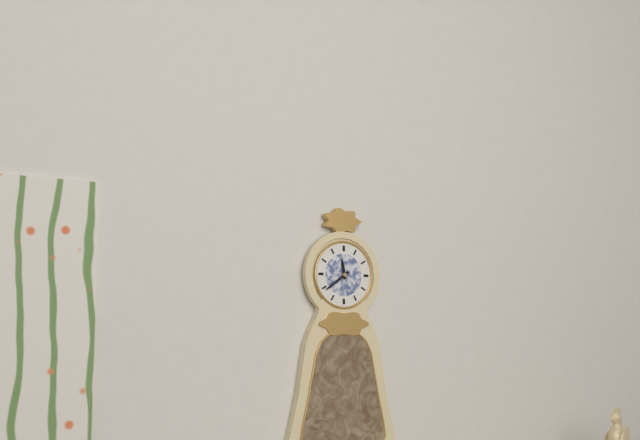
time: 11:39
